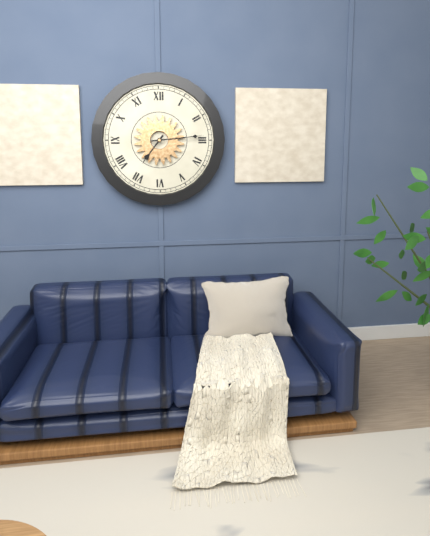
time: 7:14
